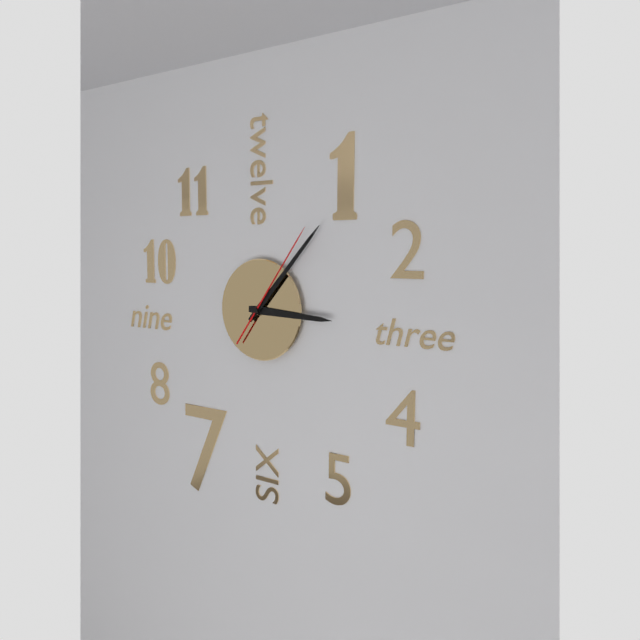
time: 3:07:06
